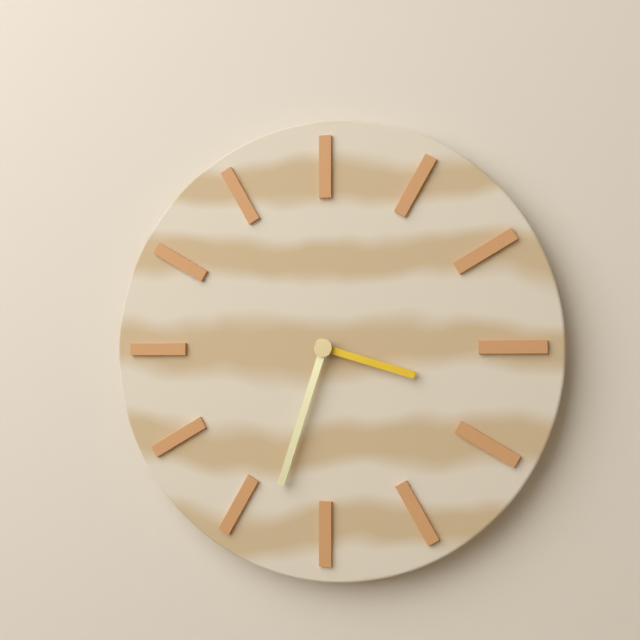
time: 3:33
